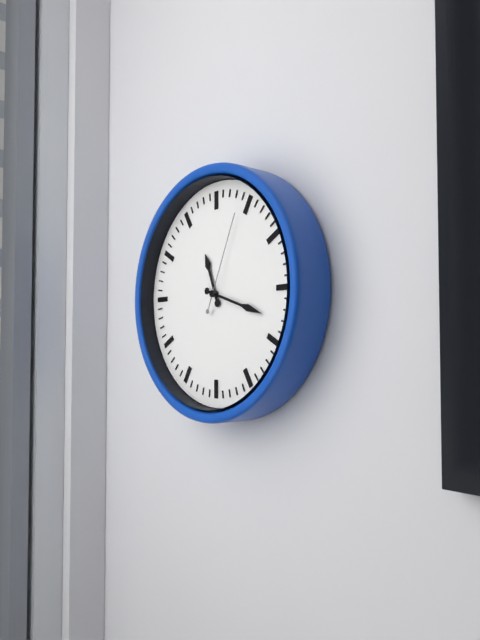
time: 11:18:04
